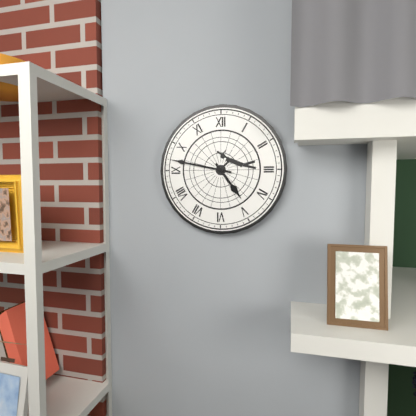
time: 4:47
